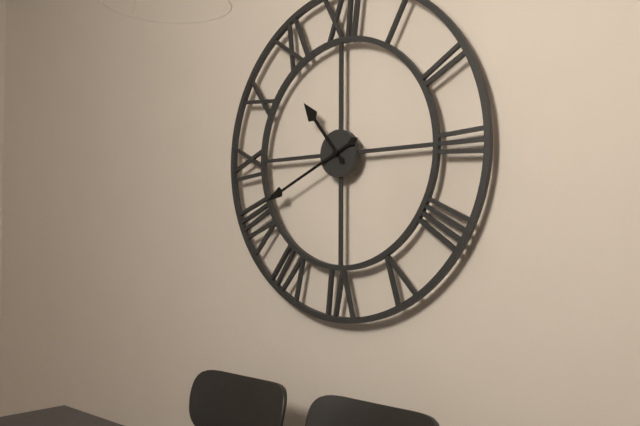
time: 10:41
